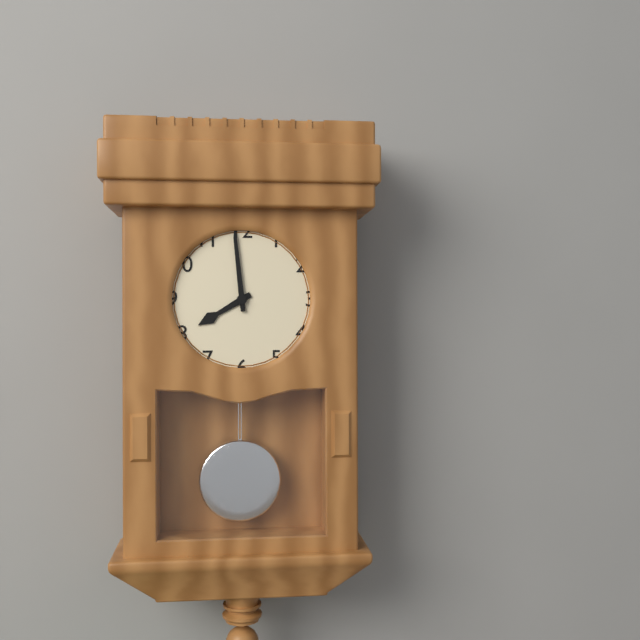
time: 7:59
